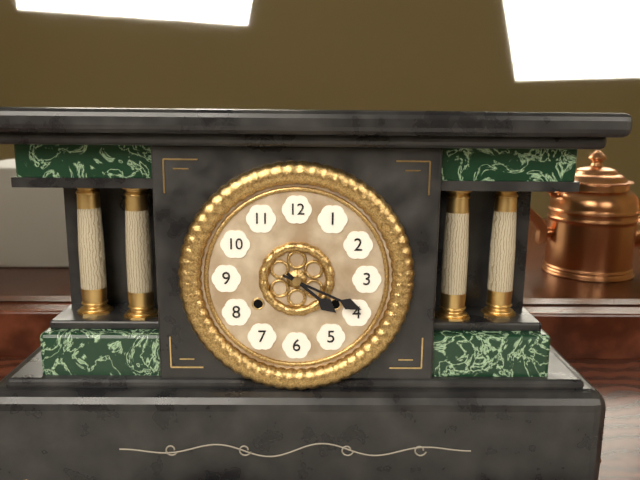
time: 4:19
